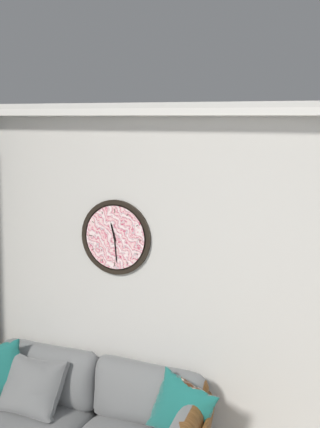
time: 11:29
